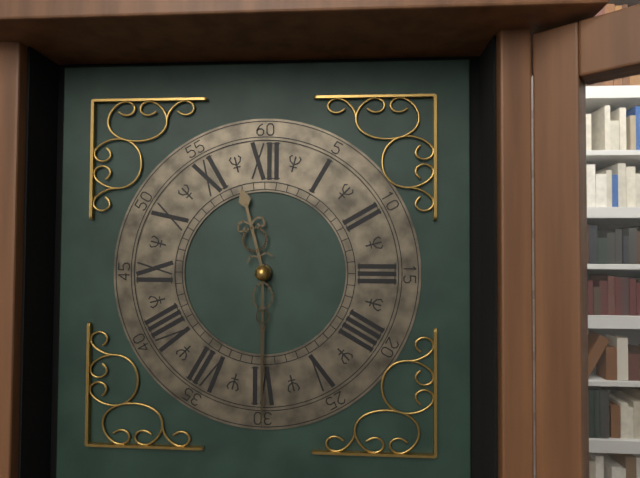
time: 11:30
